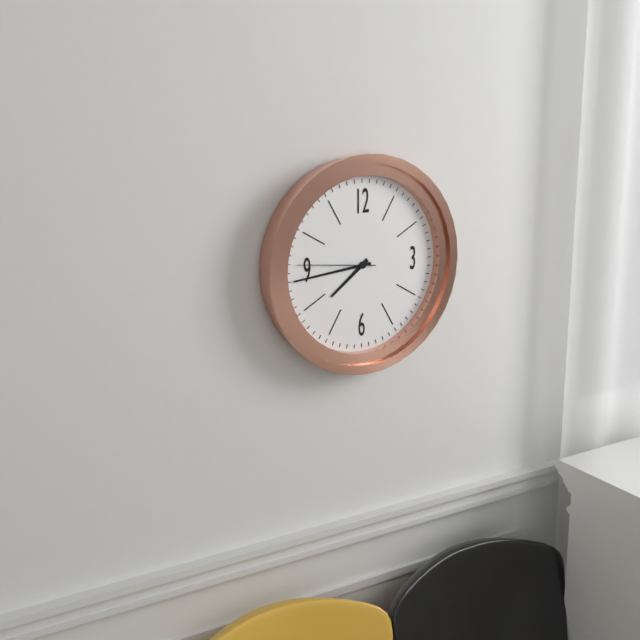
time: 7:44:46
